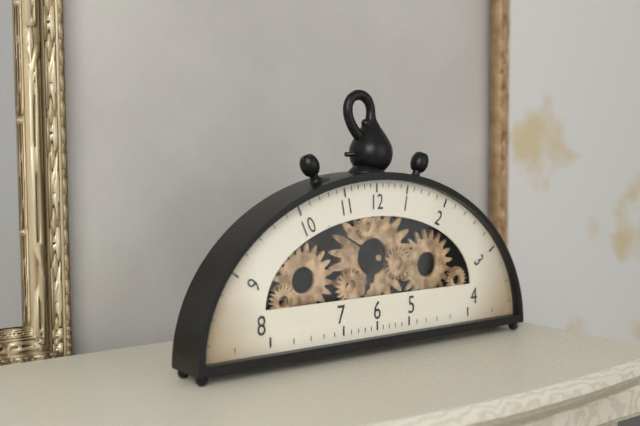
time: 6:50
